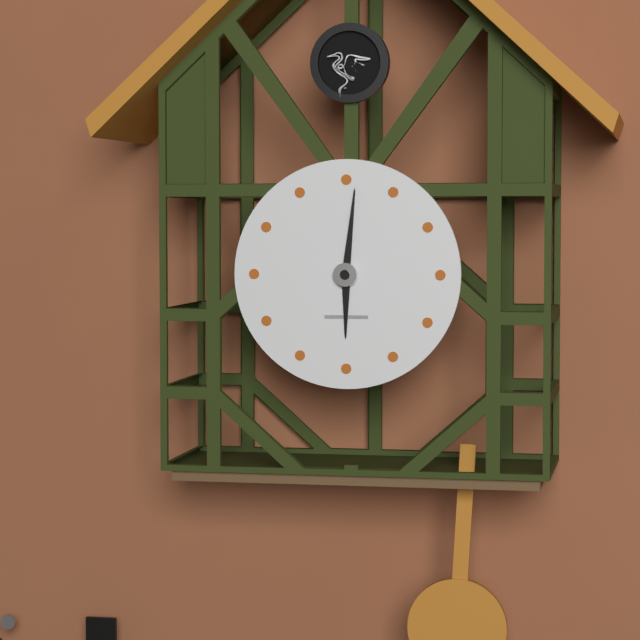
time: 6:01
